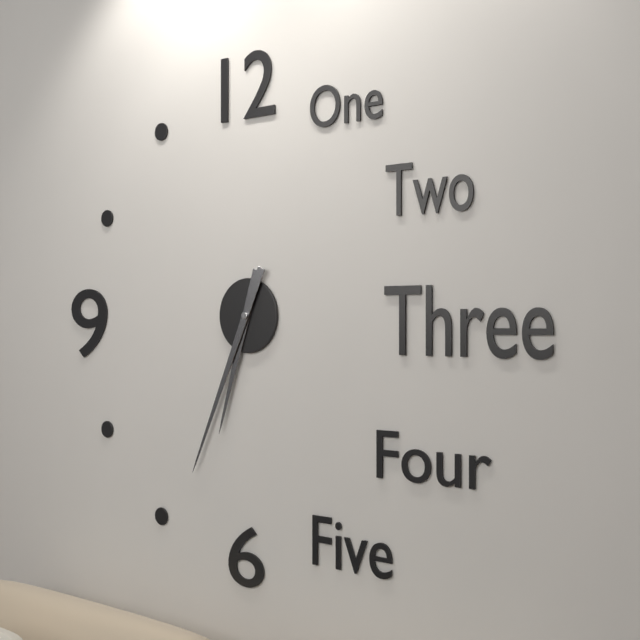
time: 6:34
